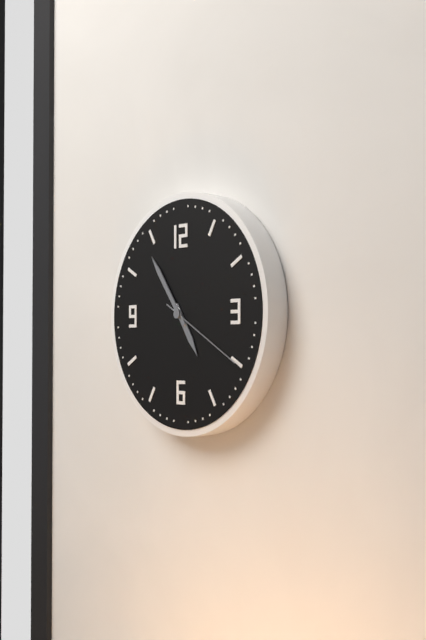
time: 4:54:20
